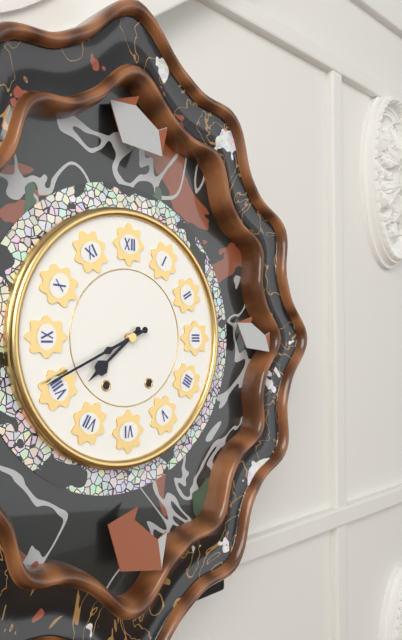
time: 7:41
